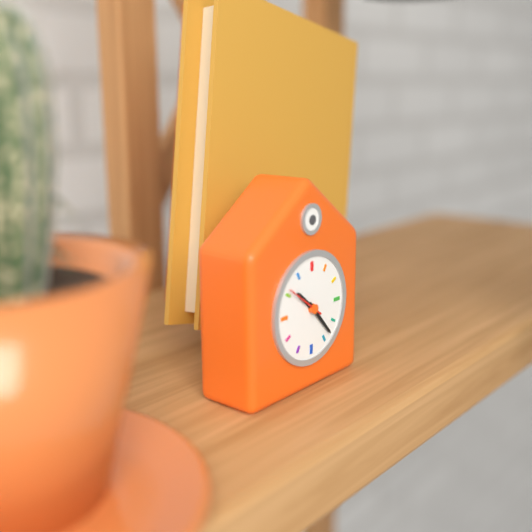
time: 10:23
